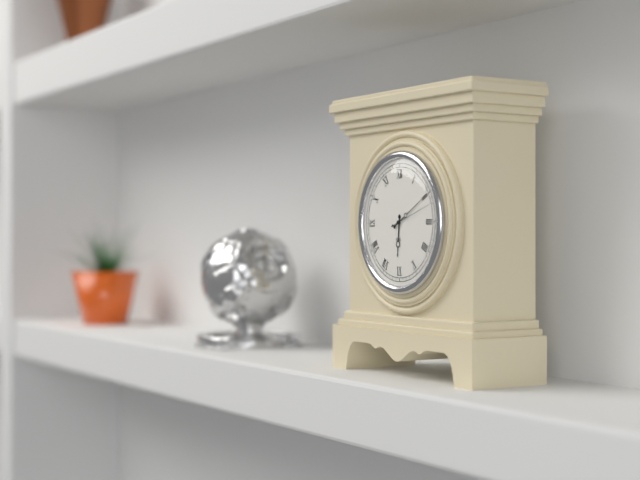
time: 6:10
